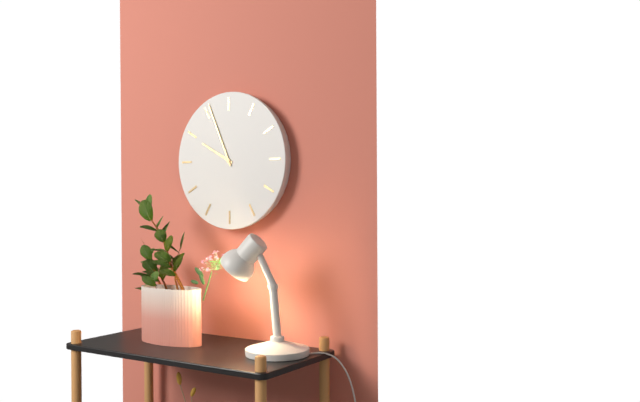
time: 9:56
